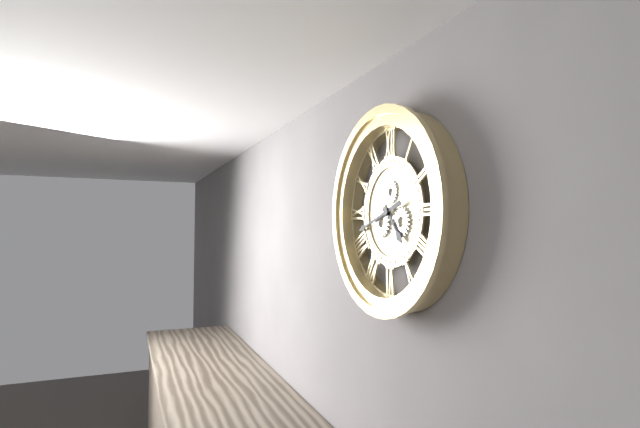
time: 4:42
